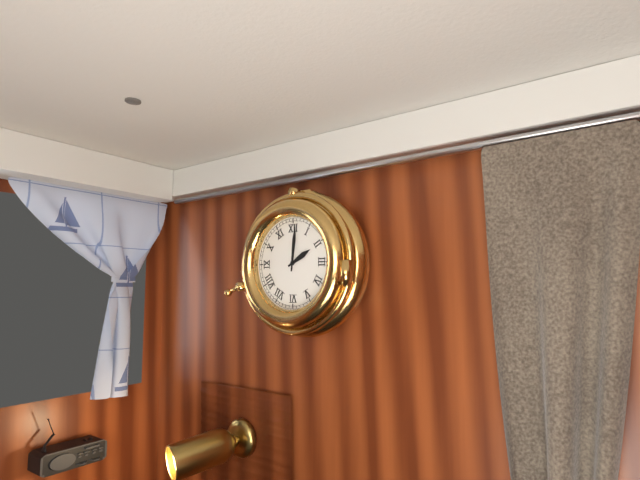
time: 2:01
